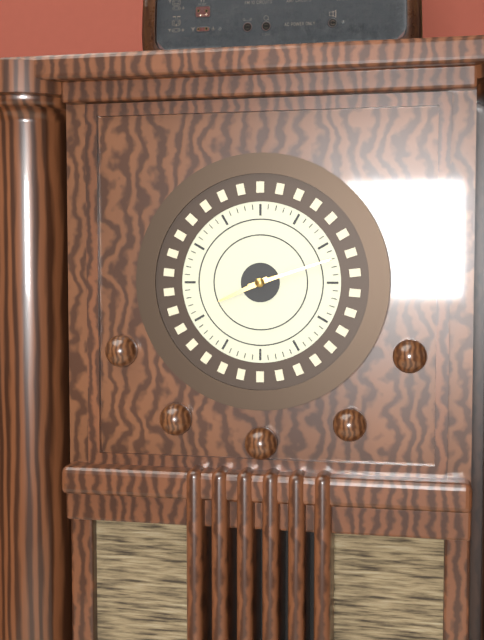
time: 8:12
